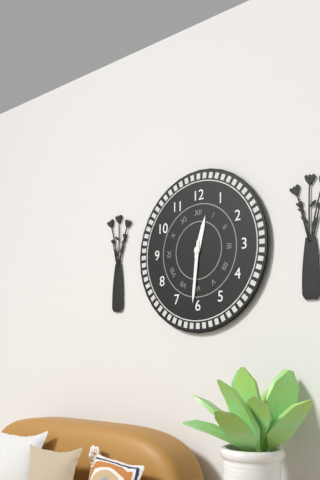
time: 12:31
